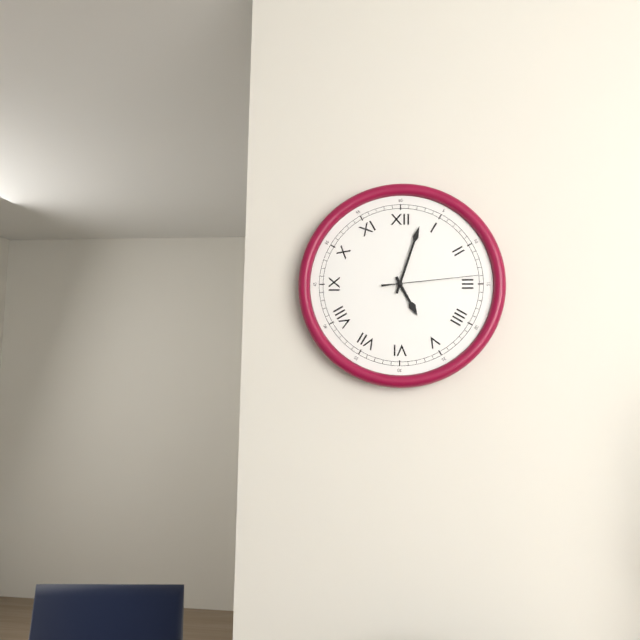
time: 5:03:14
